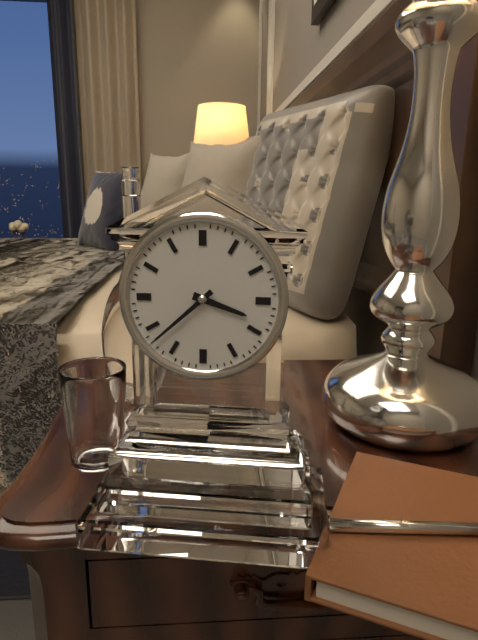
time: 3:38
